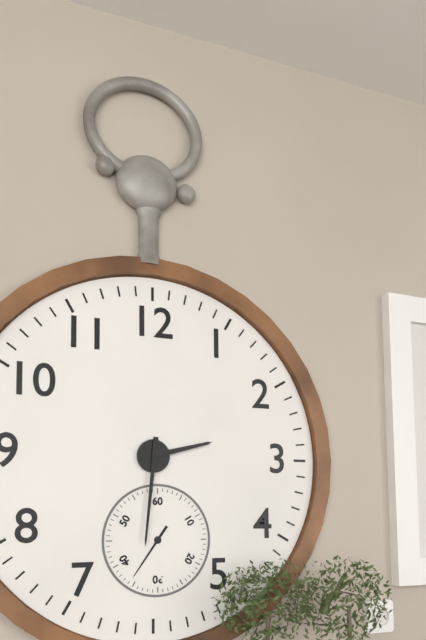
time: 2:31
